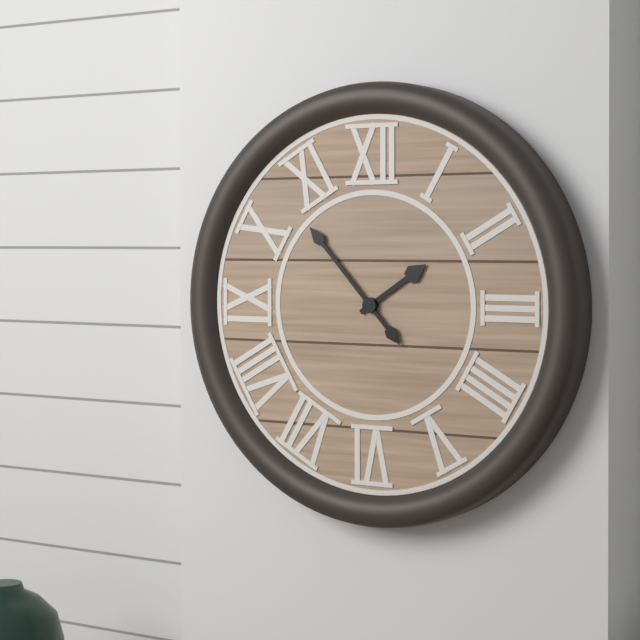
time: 1:53
